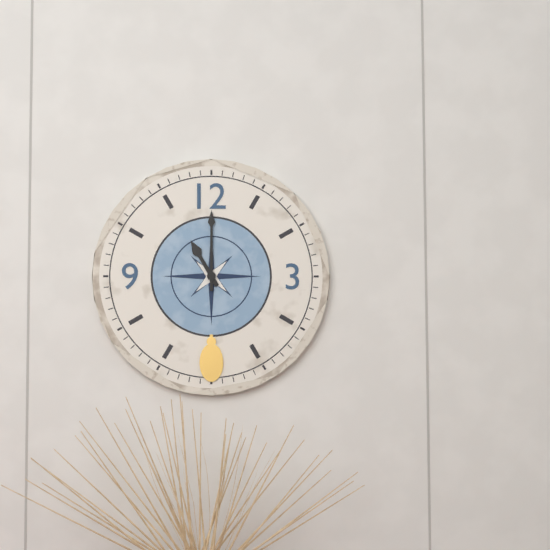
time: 11:00
